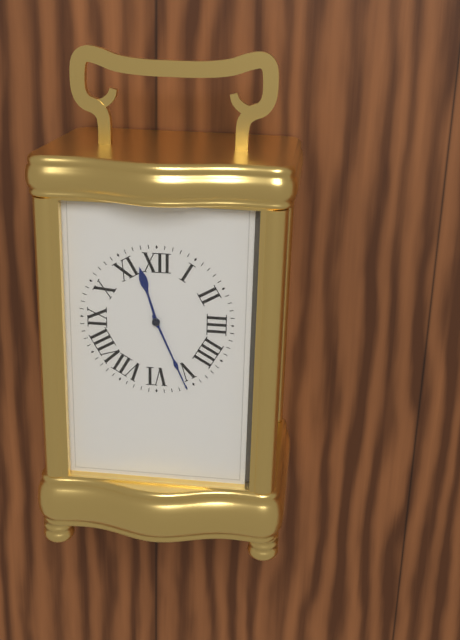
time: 11:26
